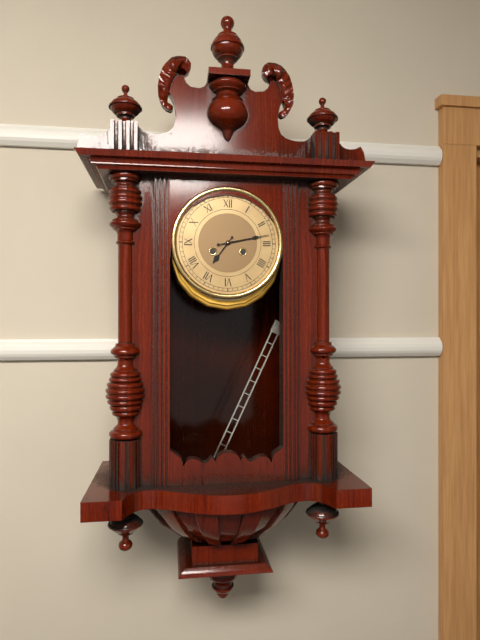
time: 7:13
